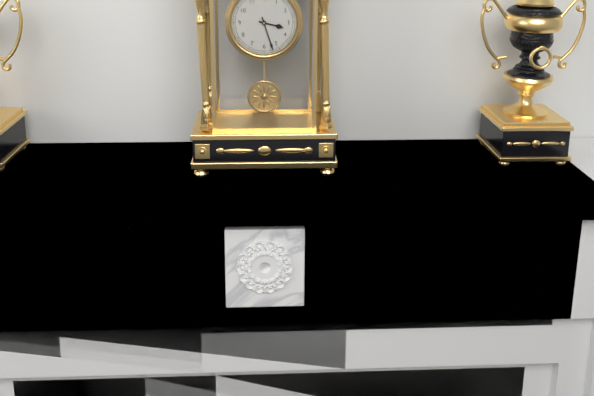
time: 3:27
